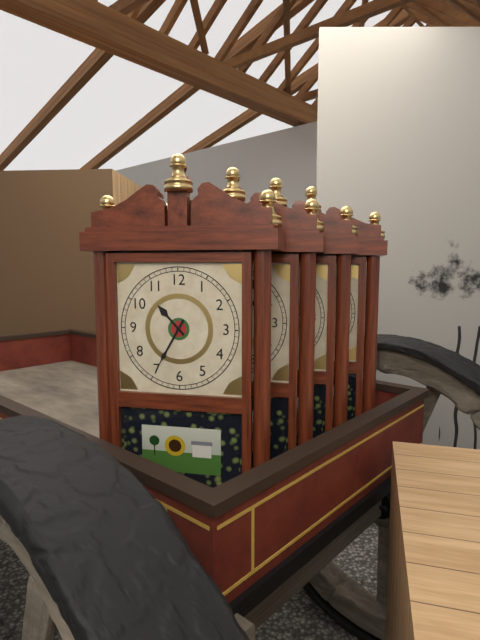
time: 10:35
